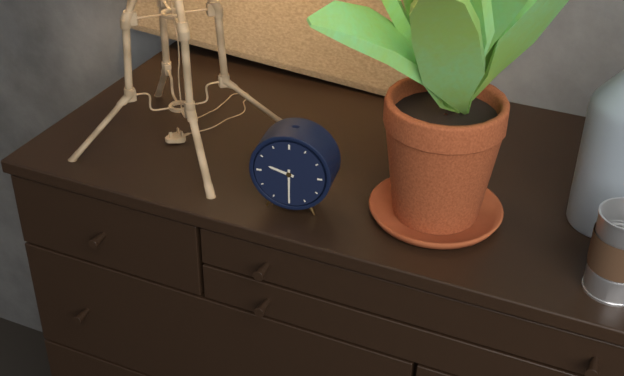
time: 9:30
